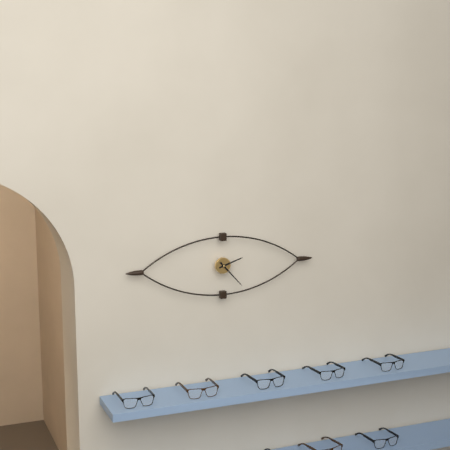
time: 2:23
